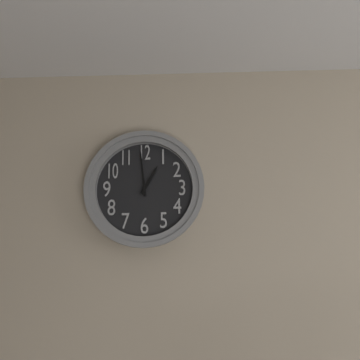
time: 12:59
